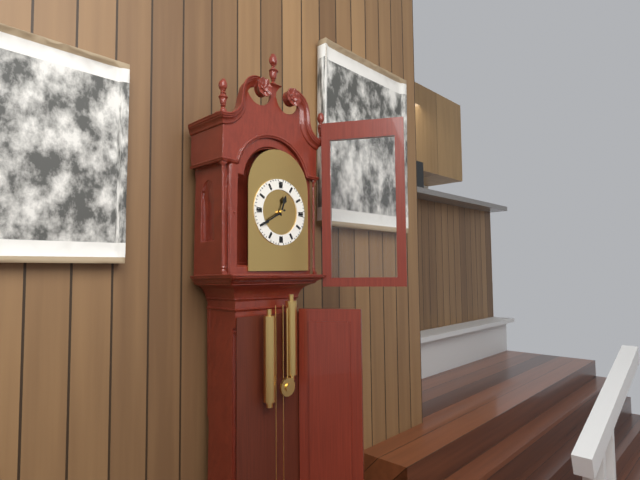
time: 12:40
